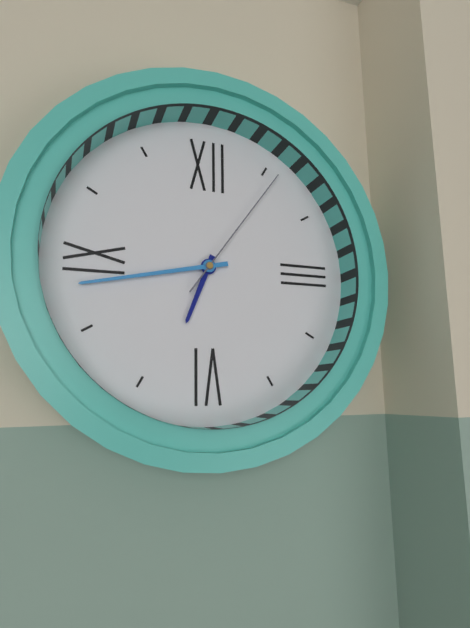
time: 6:43:06
